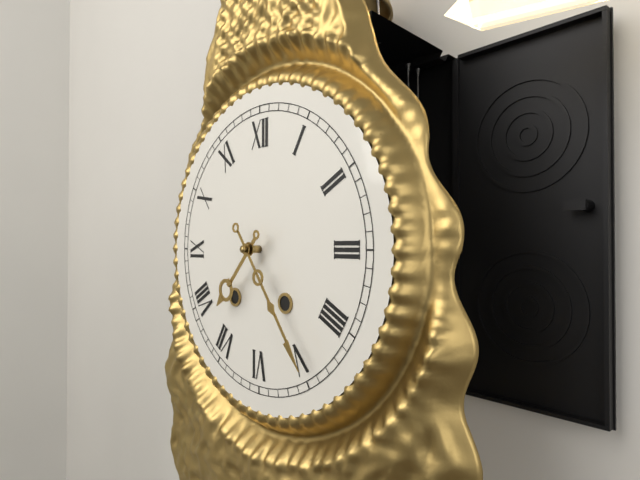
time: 7:24
